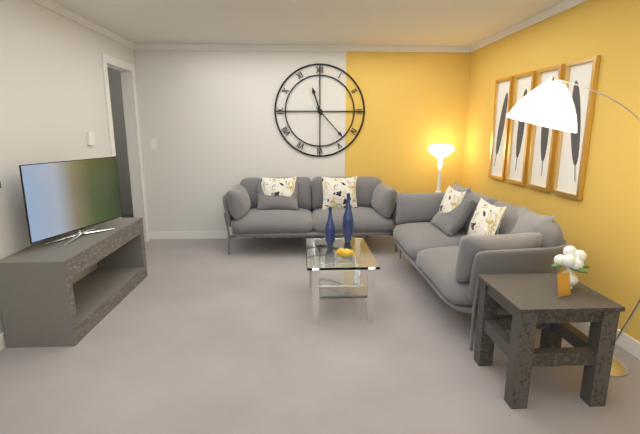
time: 11:23
